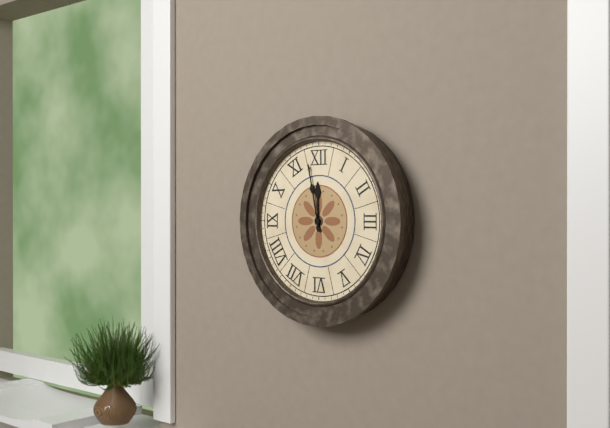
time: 11:58
